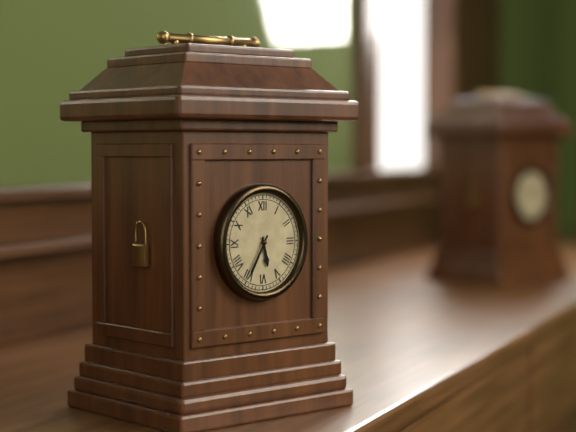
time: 5:35
